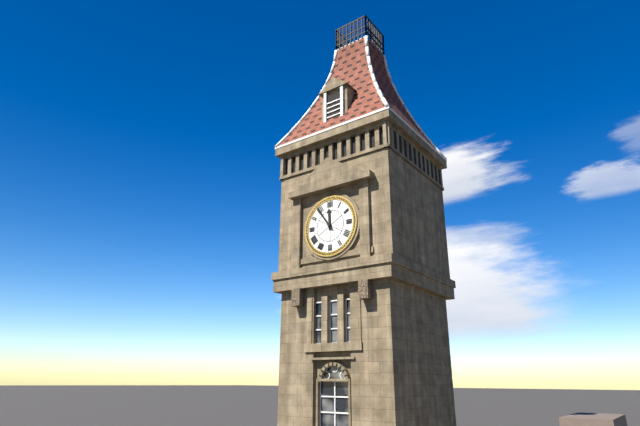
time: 11:54
